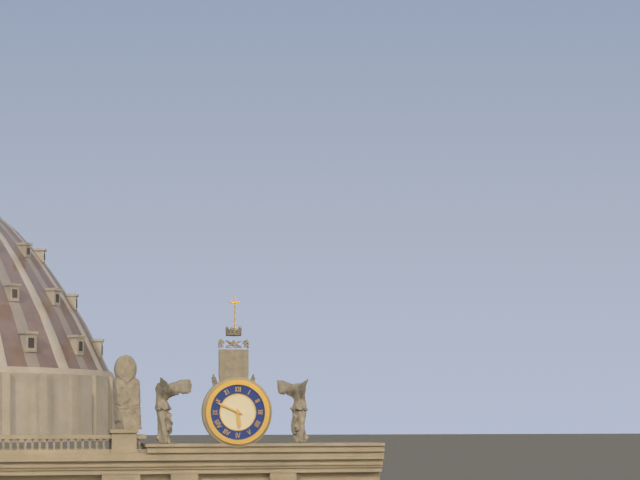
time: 5:49
